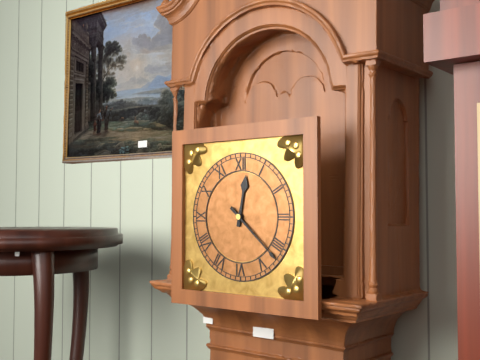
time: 12:22
